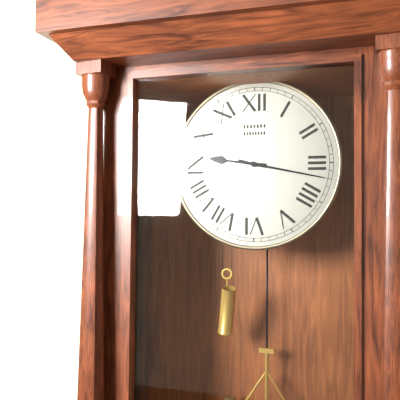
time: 9:17
